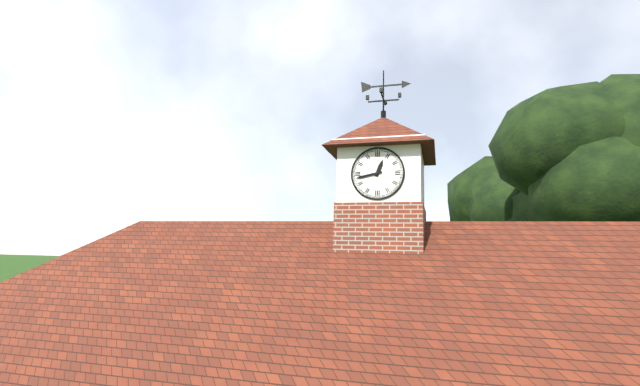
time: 12:43
